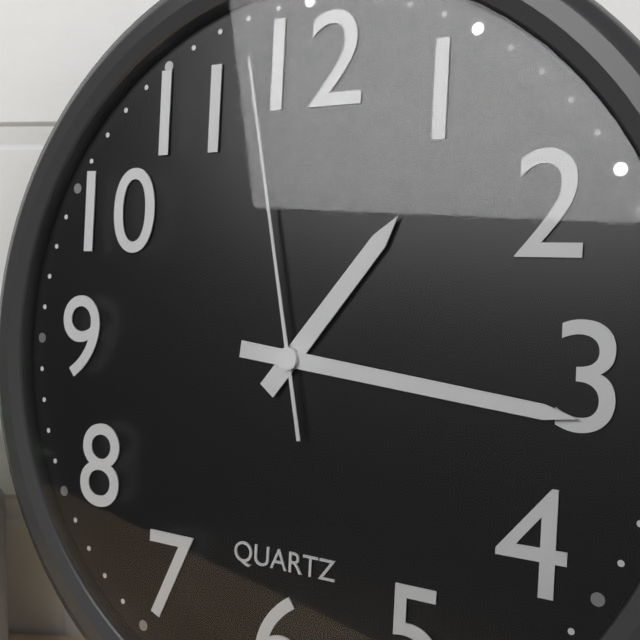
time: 1:16:58
